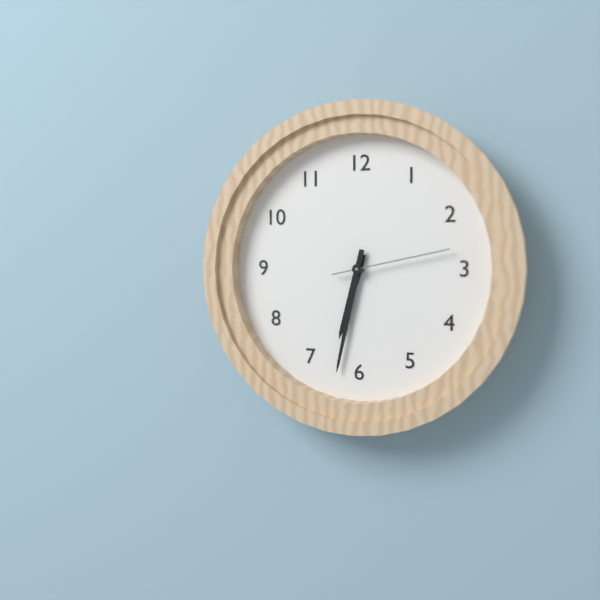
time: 6:32:13
